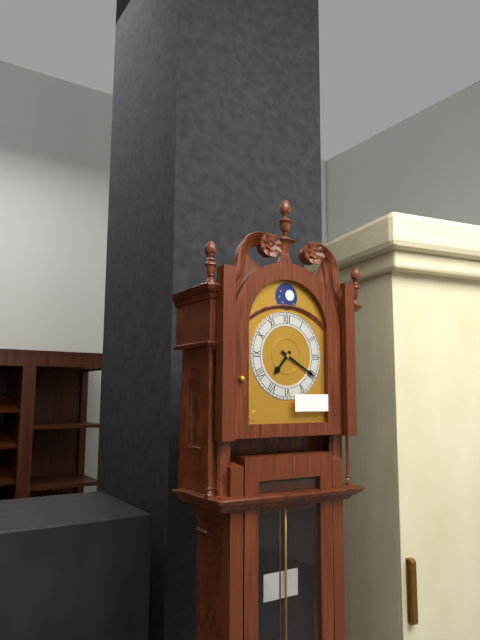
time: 7:20
